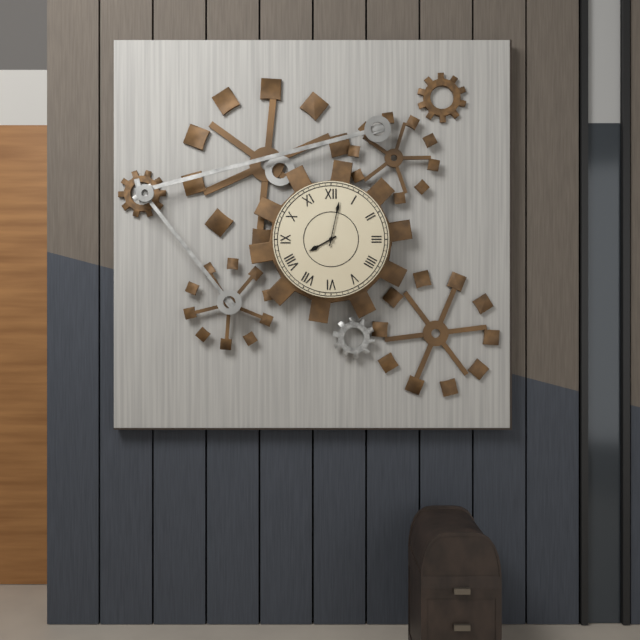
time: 8:02
